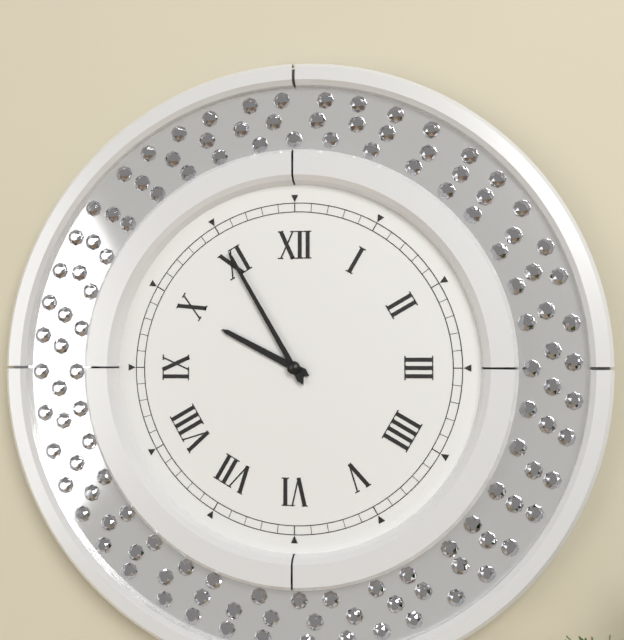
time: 9:55
